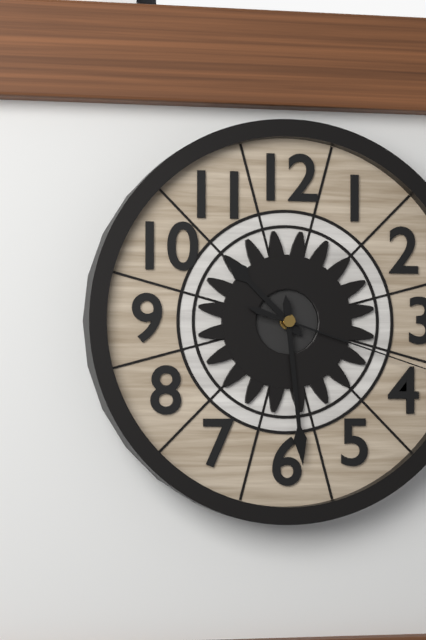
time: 10:29
